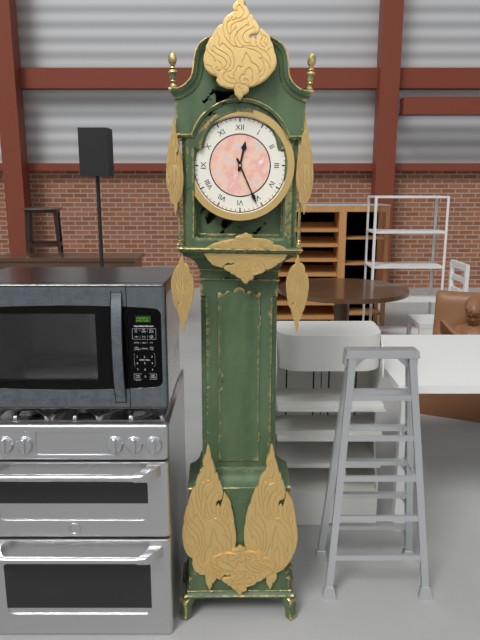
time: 12:26
